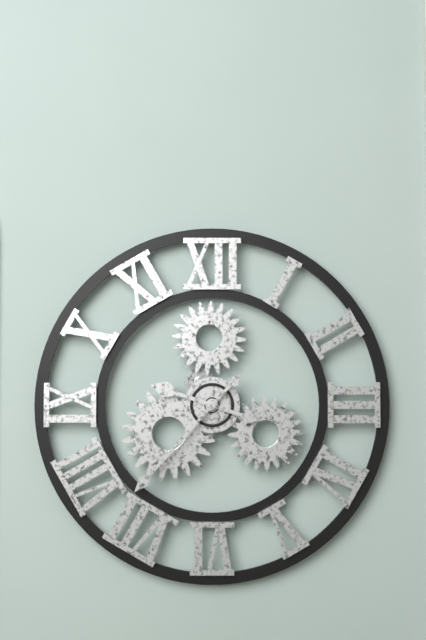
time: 9:37
